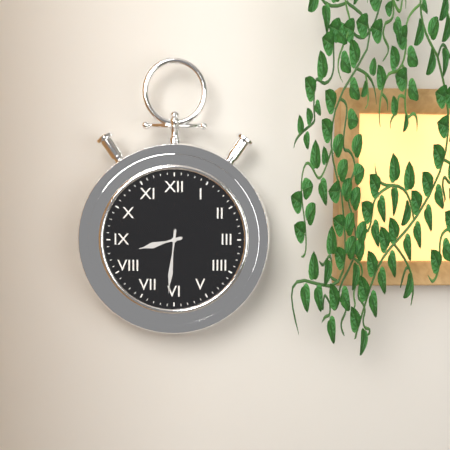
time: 8:31
